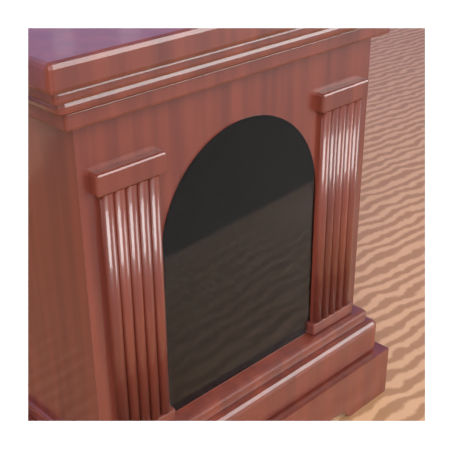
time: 5:18
